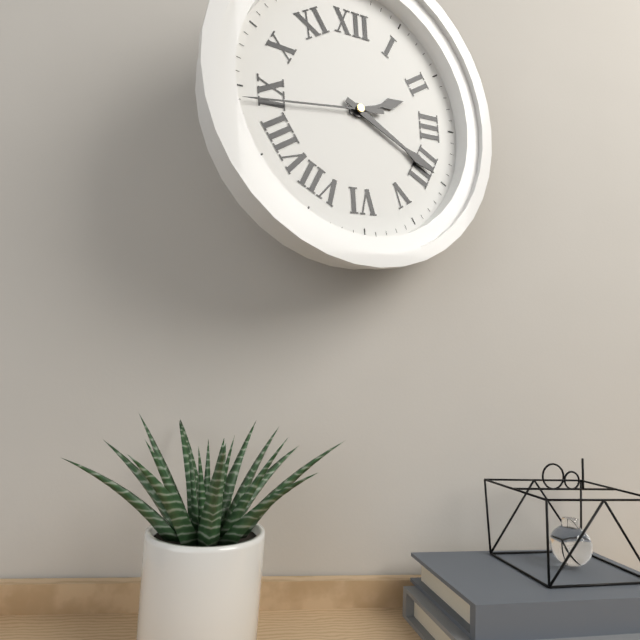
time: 2:20:44
